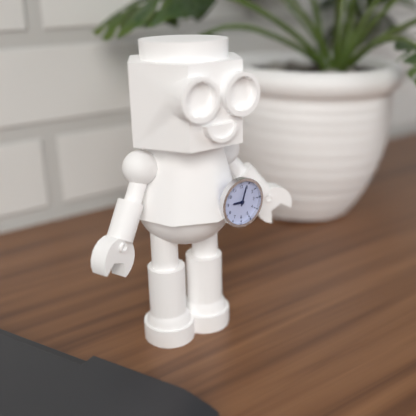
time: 9:03
